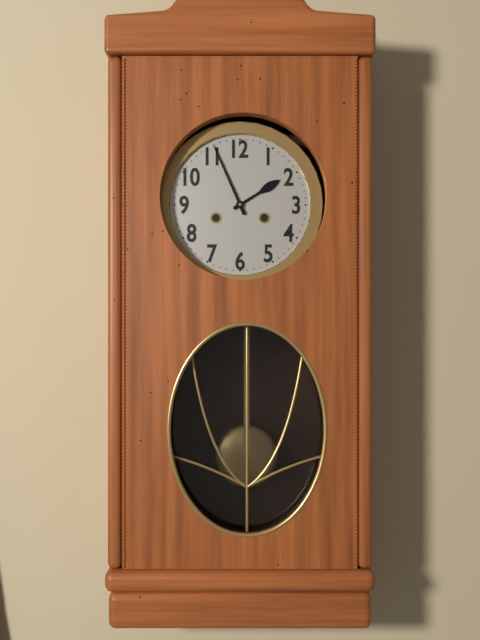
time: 1:56
